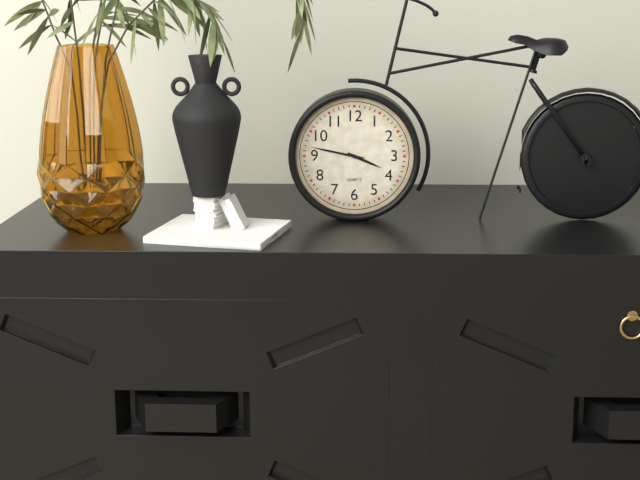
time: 3:47
